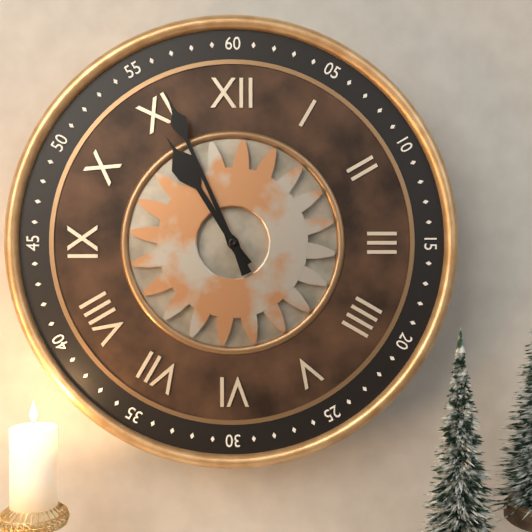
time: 10:56
